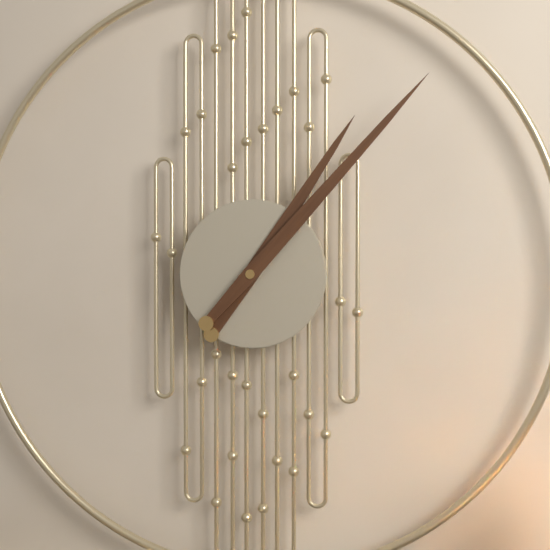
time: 1:07
